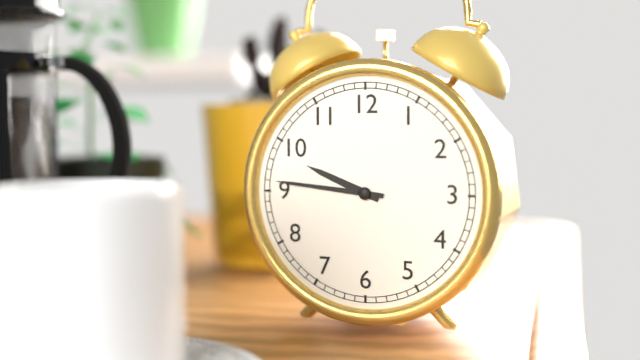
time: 9:46
